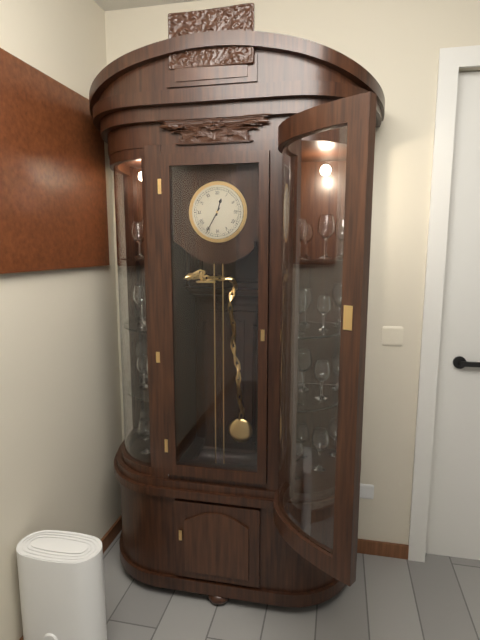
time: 12:35
